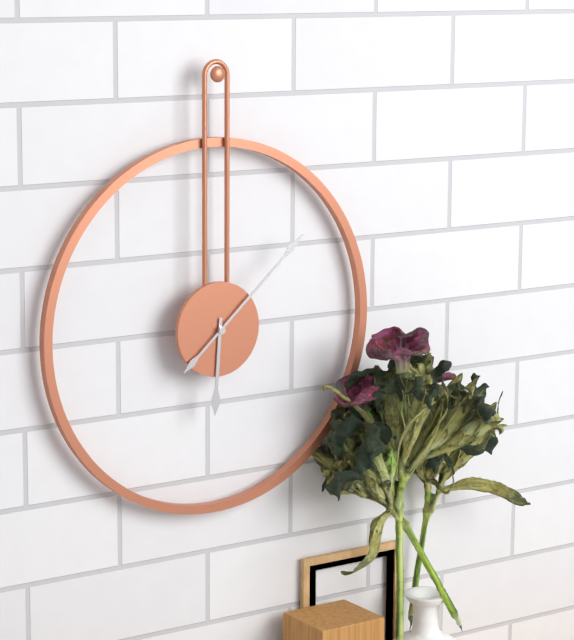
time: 6:08
